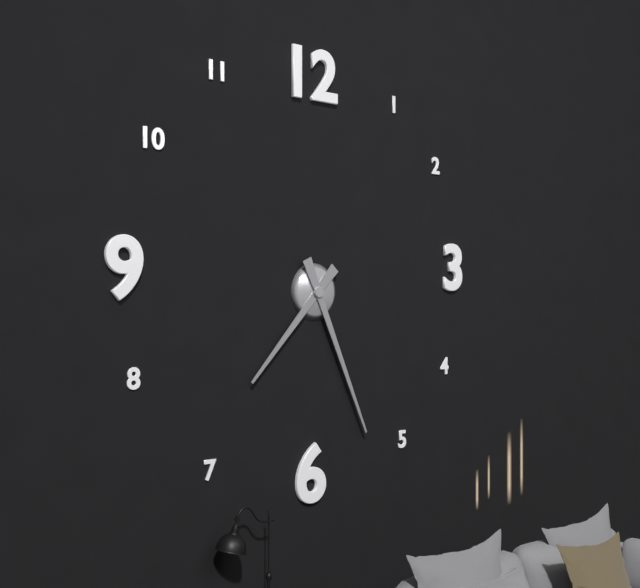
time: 7:26
